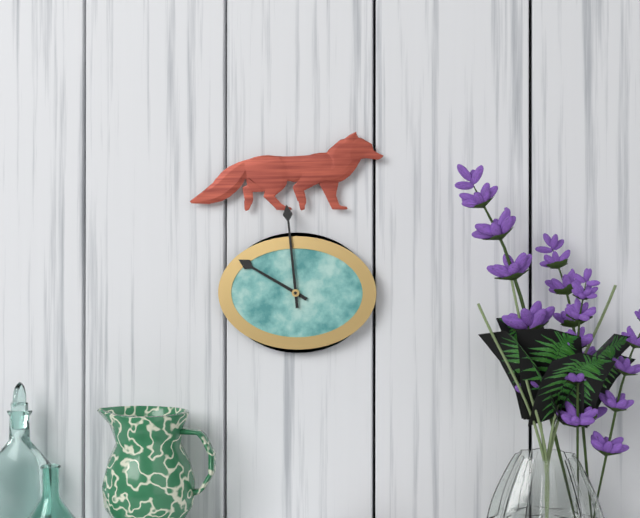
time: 9:59
